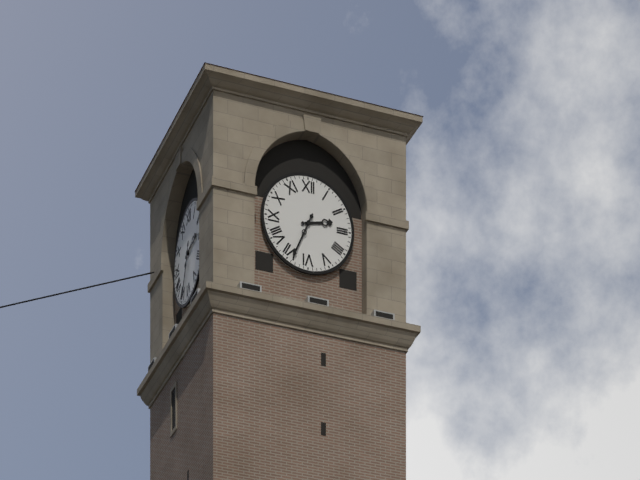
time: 2:34
